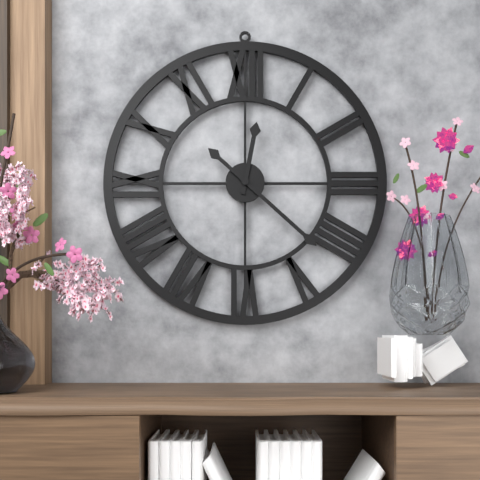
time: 12:22
